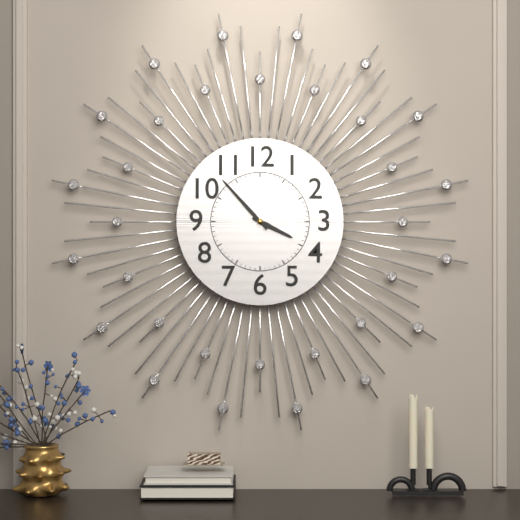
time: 3:53
